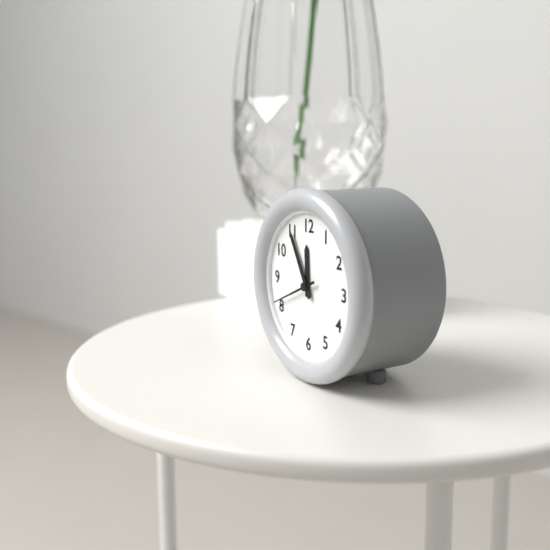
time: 11:55
